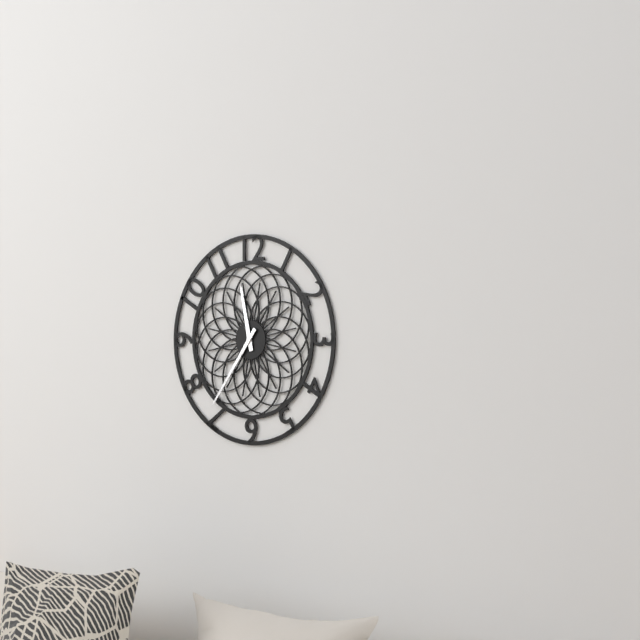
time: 11:36
